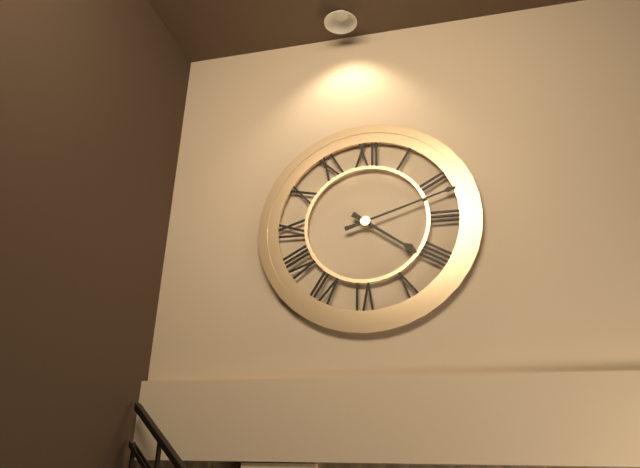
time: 4:12
